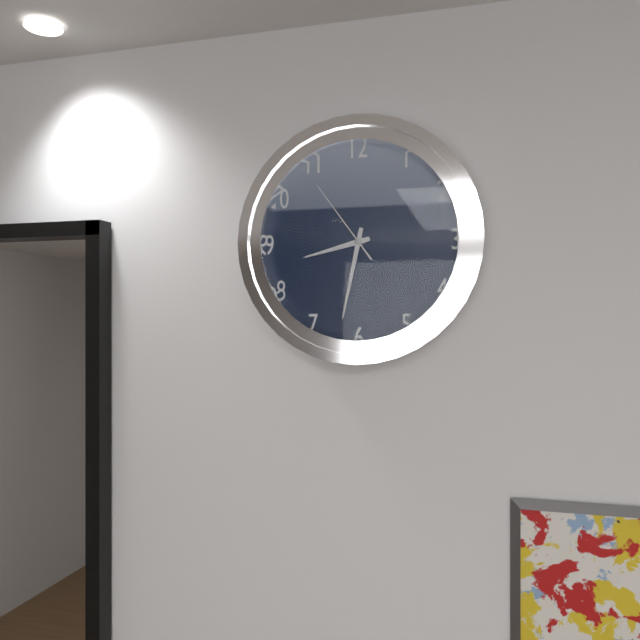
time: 8:32:54
